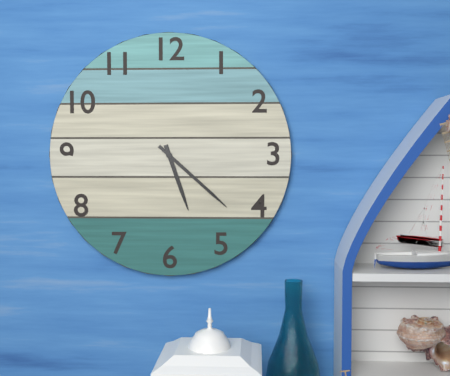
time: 5:22
